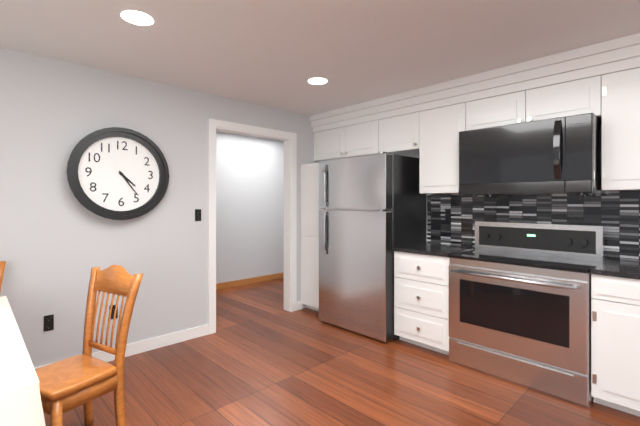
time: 4:24
